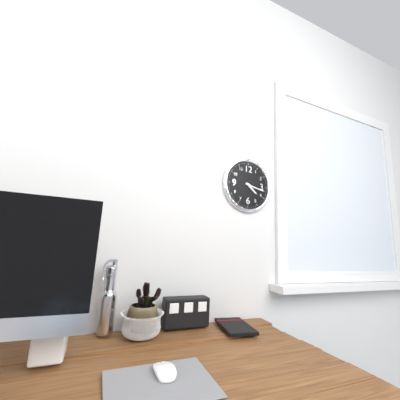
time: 4:17
